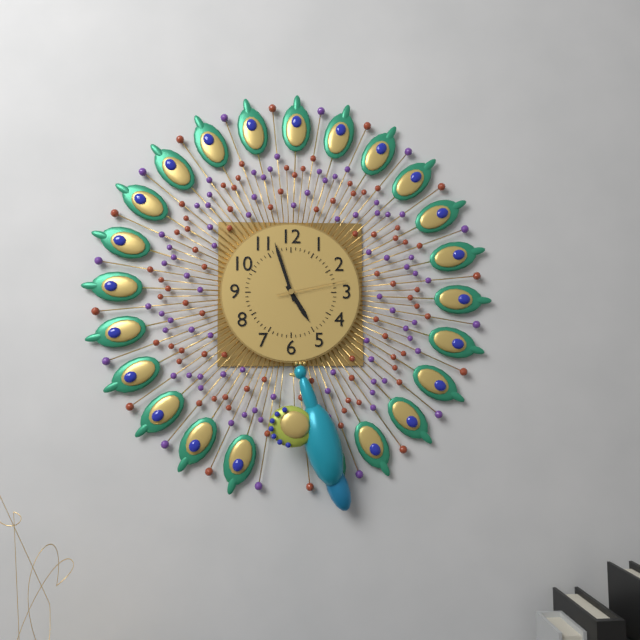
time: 4:57:13
